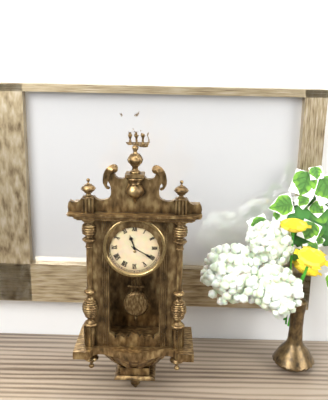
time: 11:20
